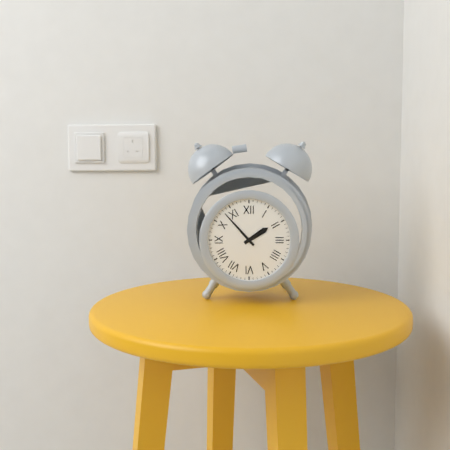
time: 1:53
